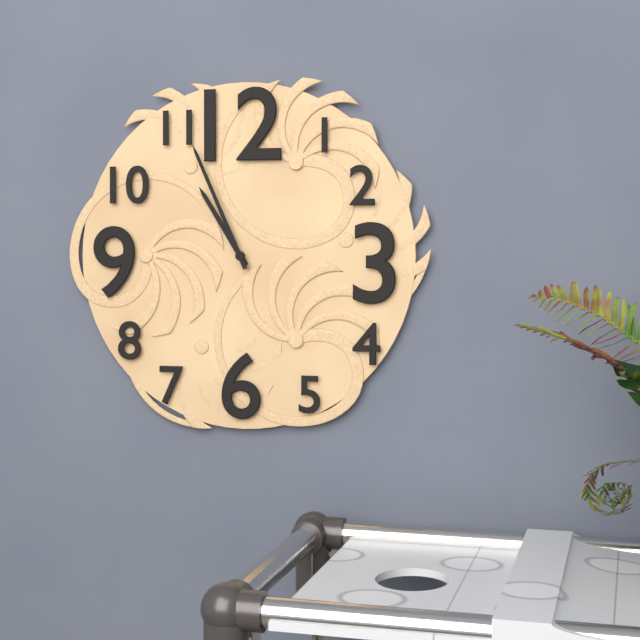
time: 10:56
